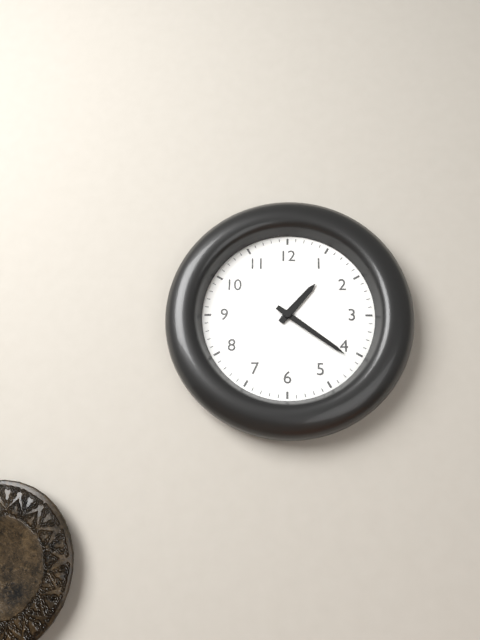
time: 1:21
